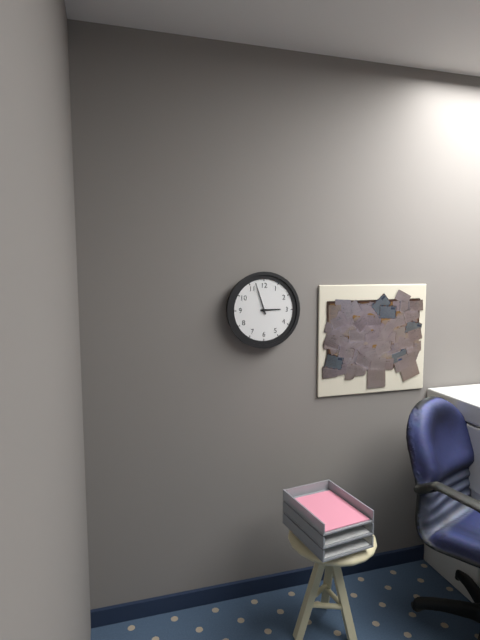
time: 2:57
